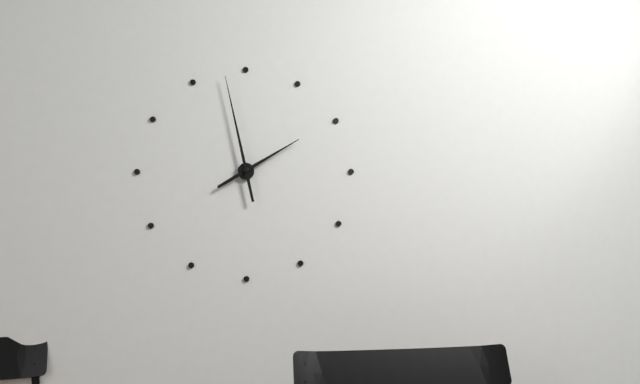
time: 1:58
